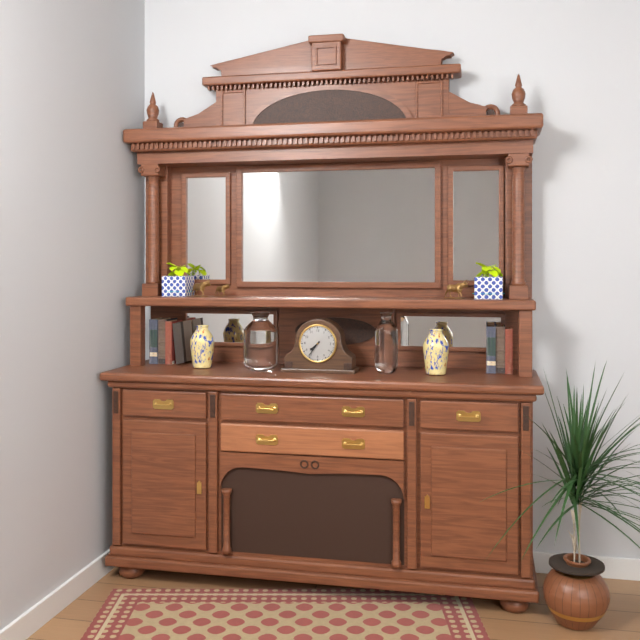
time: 7:36
